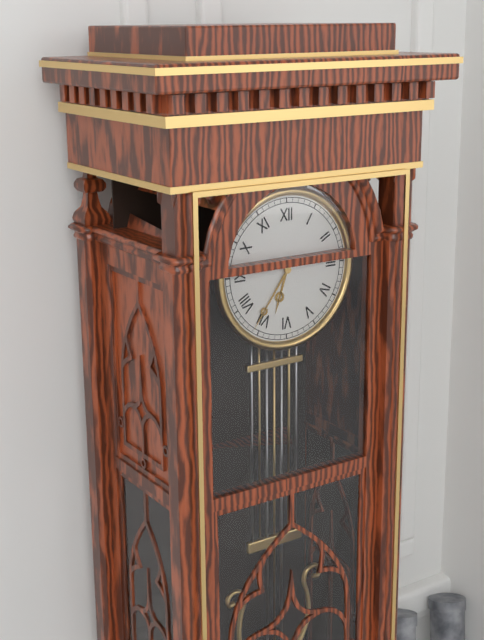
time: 6:36
